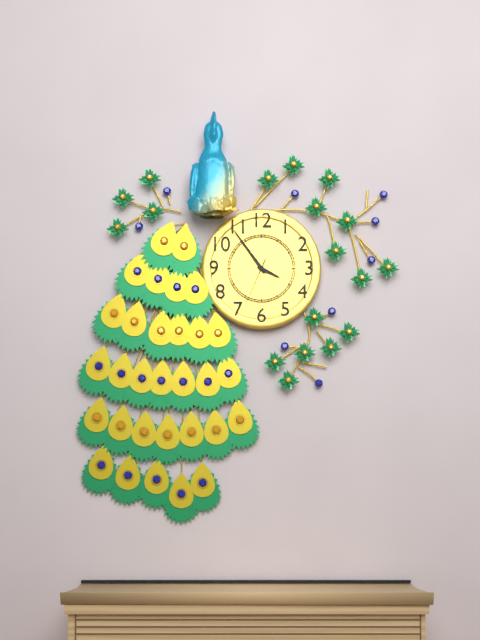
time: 3:54
